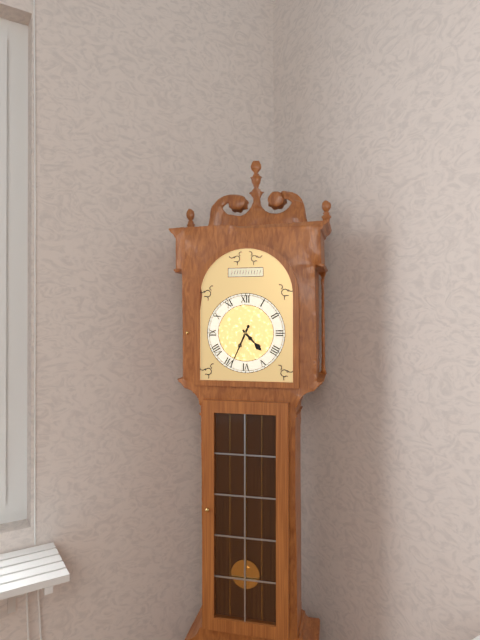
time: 4:34
